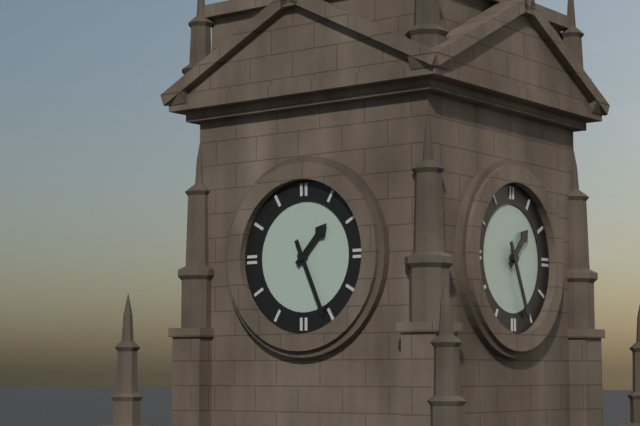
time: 1:26
